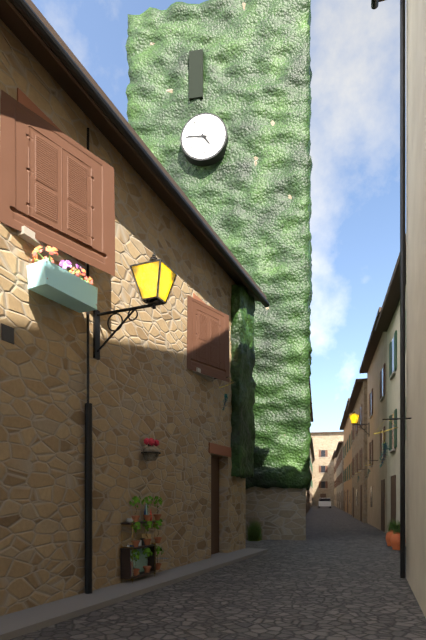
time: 4:46
